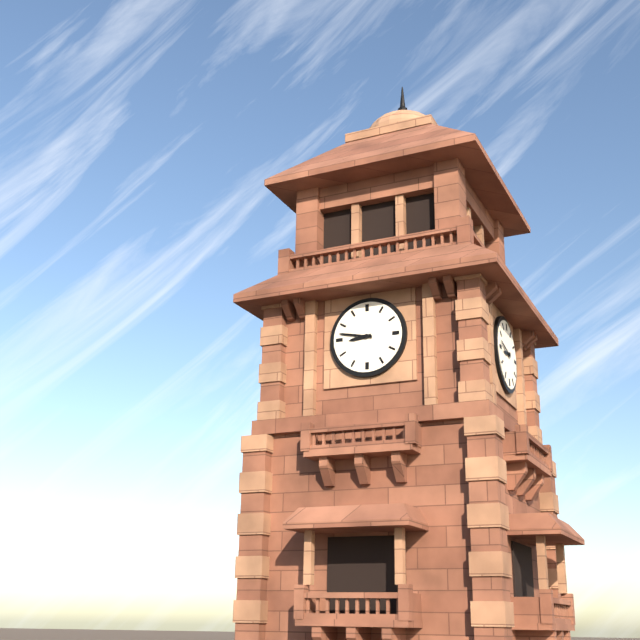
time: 8:47
